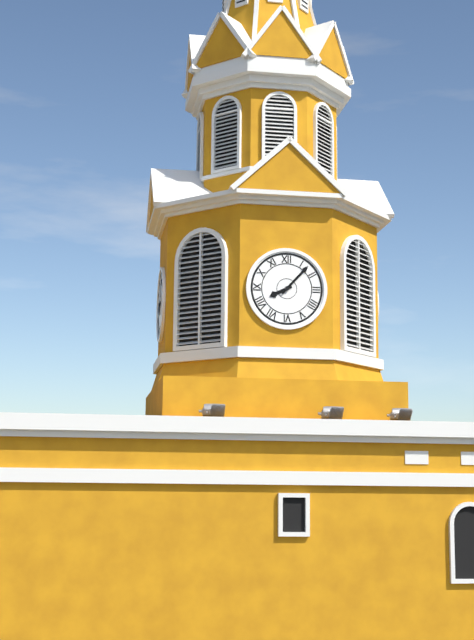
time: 8:07
